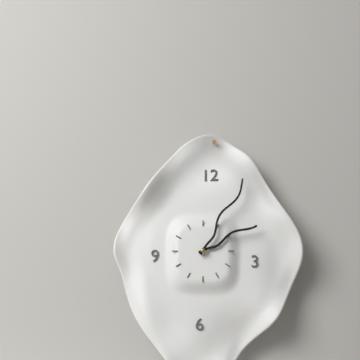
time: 2:05
